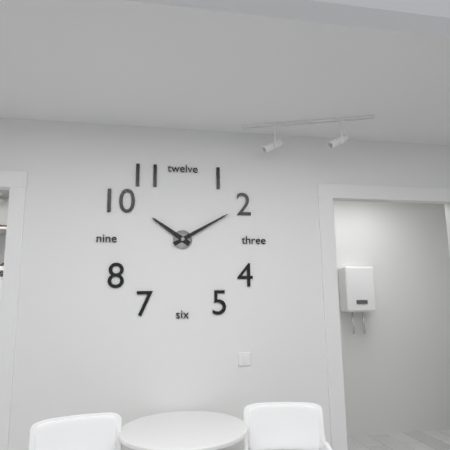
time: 10:10
